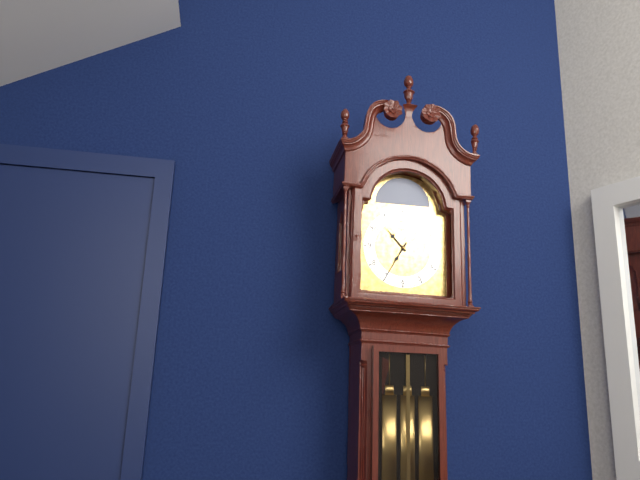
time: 10:35
